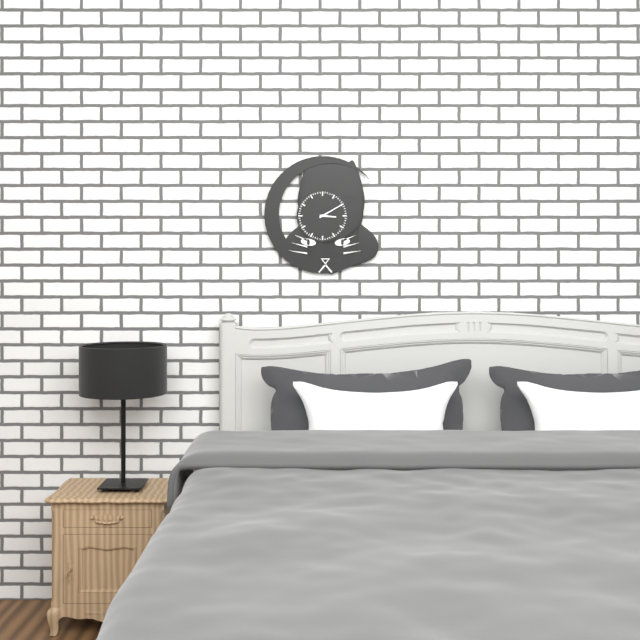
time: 3:10
